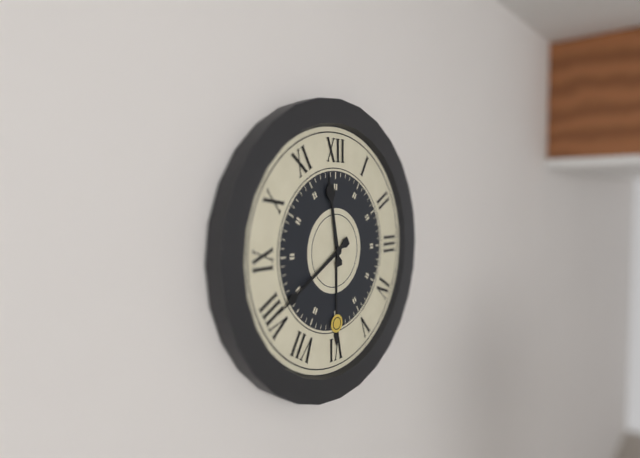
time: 11:40
